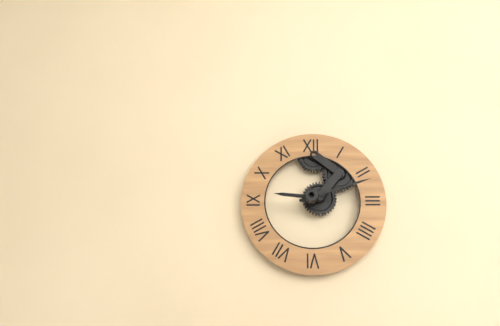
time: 9:12
